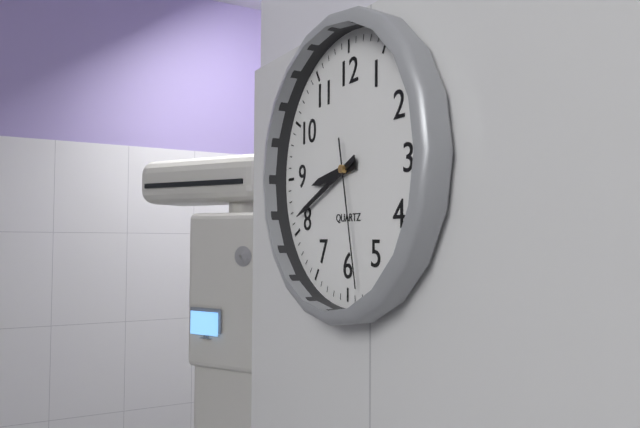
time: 8:41:28
